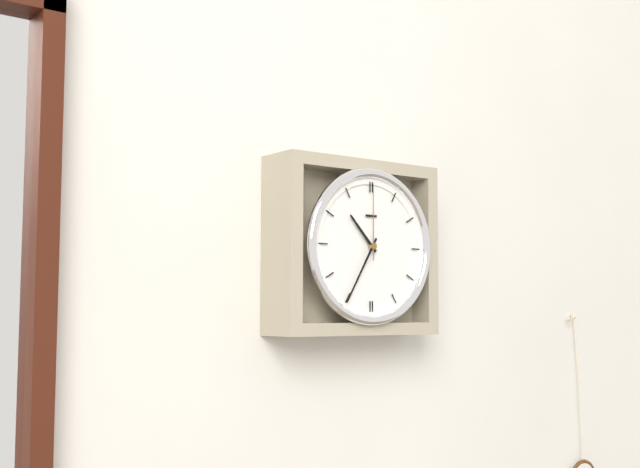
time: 10:35:00
